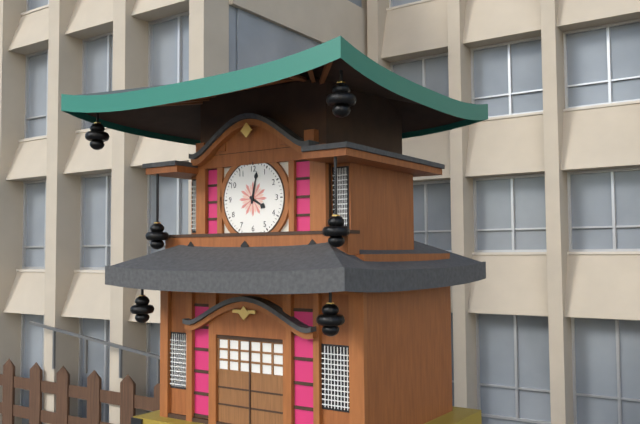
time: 4:02
